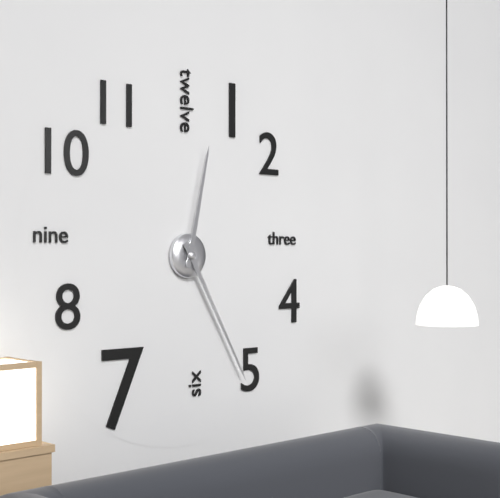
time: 12:25
